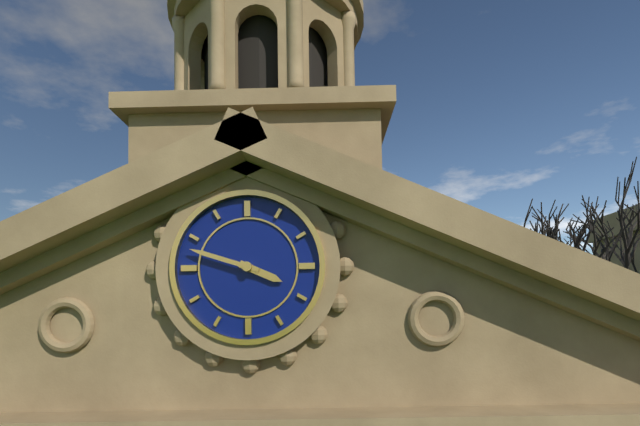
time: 3:48
